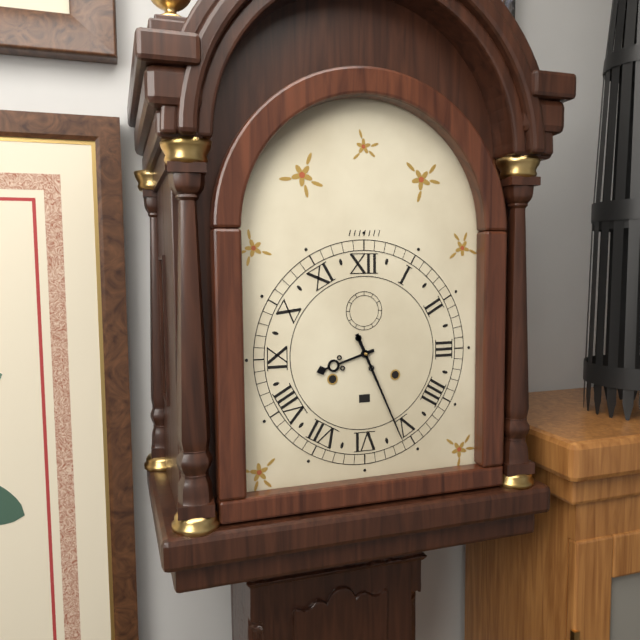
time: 8:26
